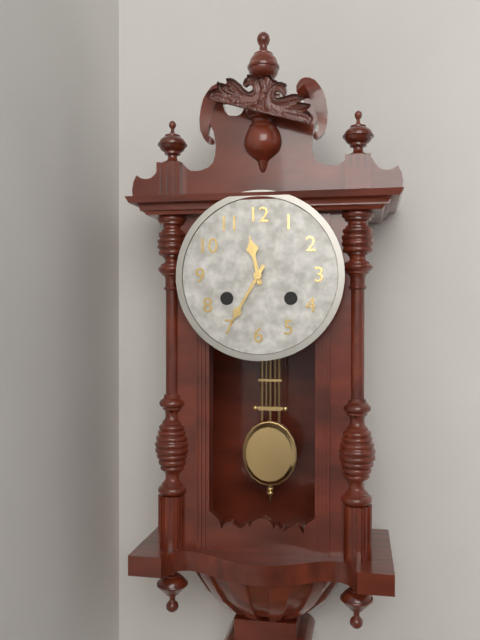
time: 11:35
